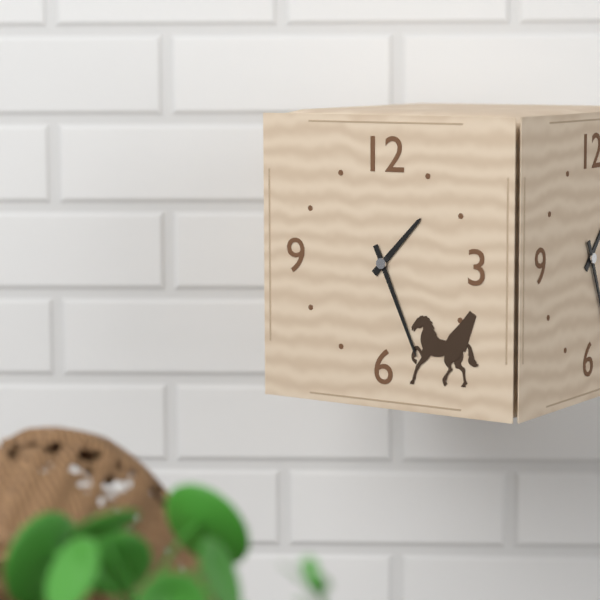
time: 1:26
